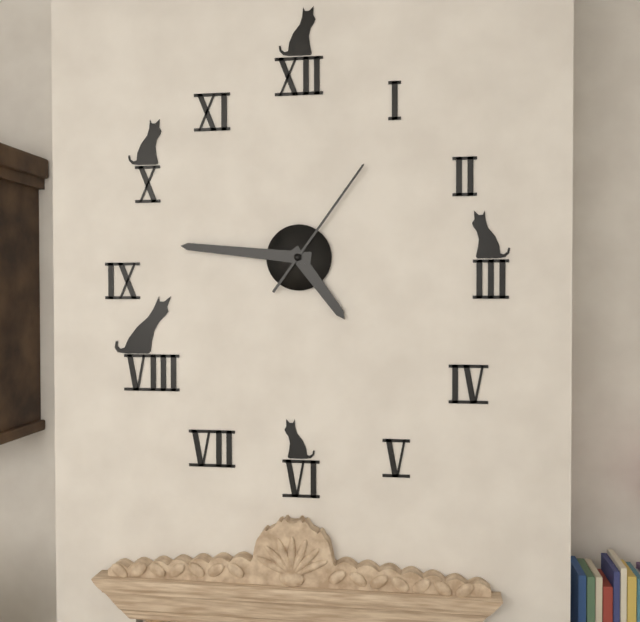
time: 4:46:06
